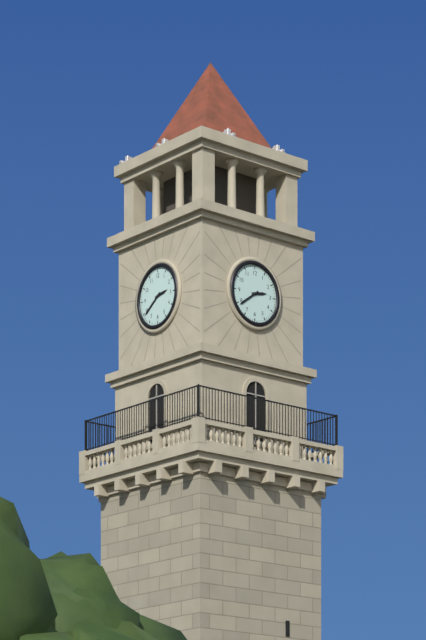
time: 2:39
